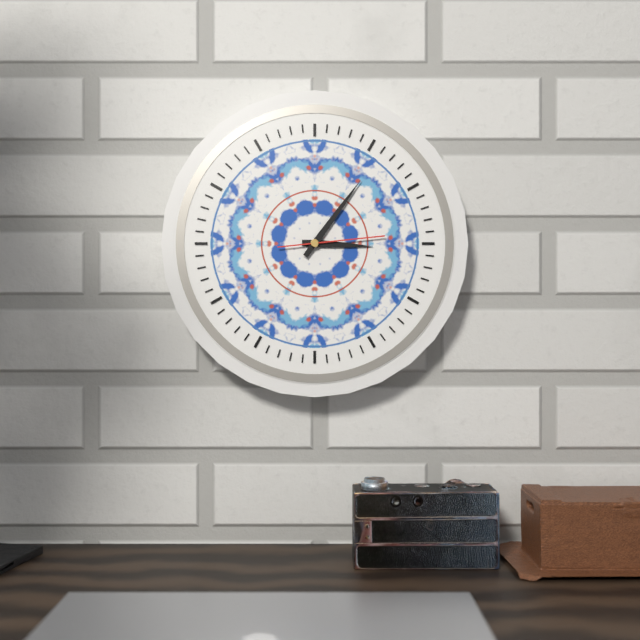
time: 3:06:14
